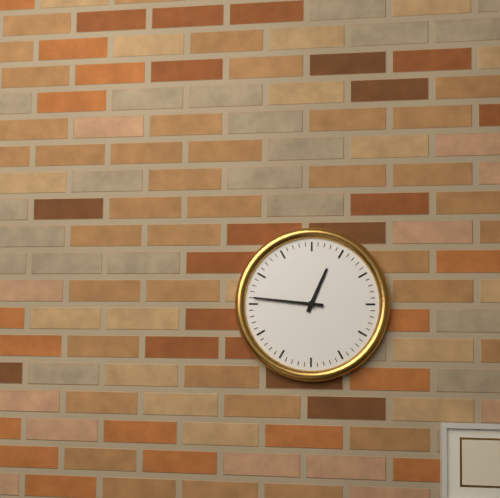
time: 12:46
